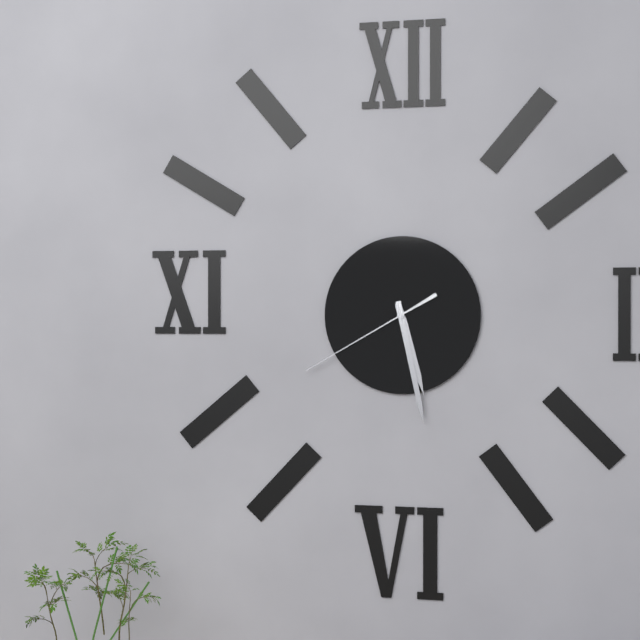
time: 5:28:40
